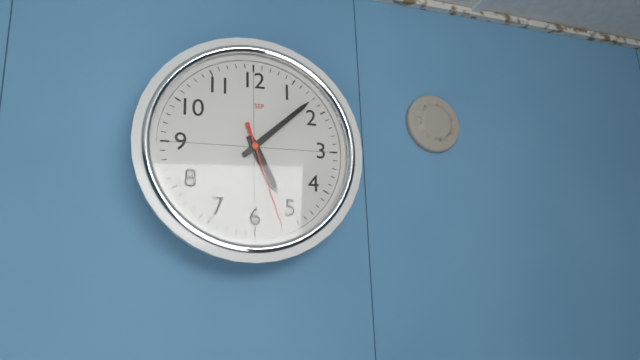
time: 5:08:27
